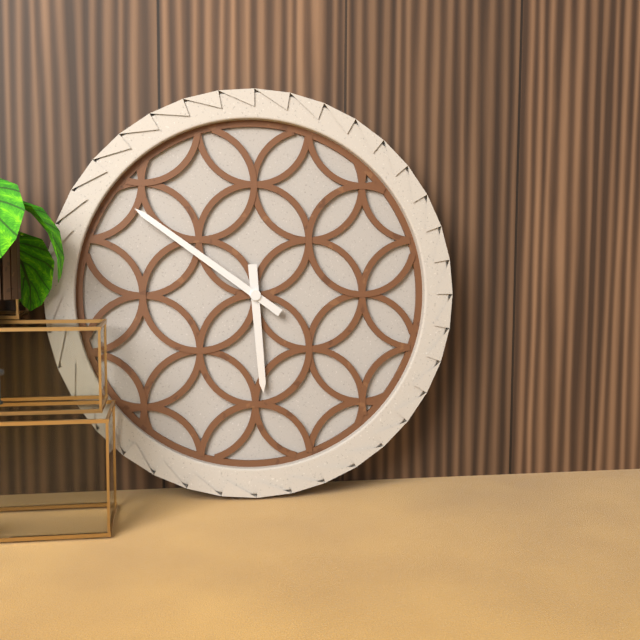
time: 5:51
